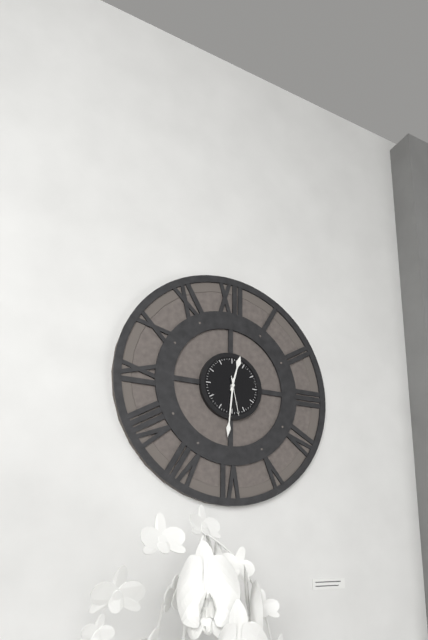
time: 12:31
